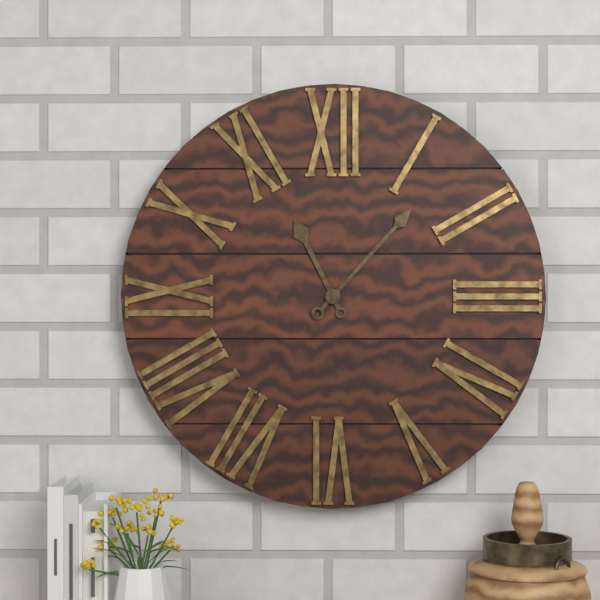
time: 11:07
